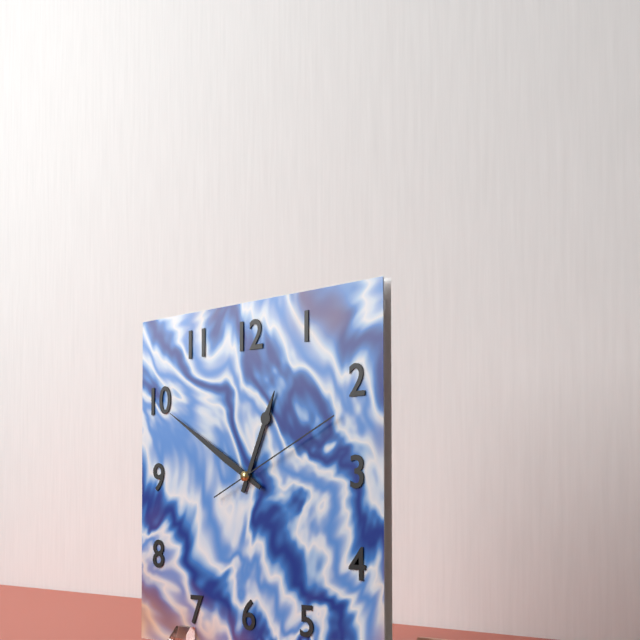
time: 12:50:11
